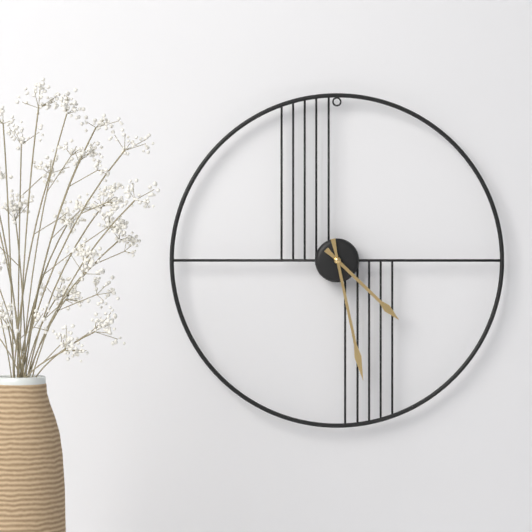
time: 4:28
